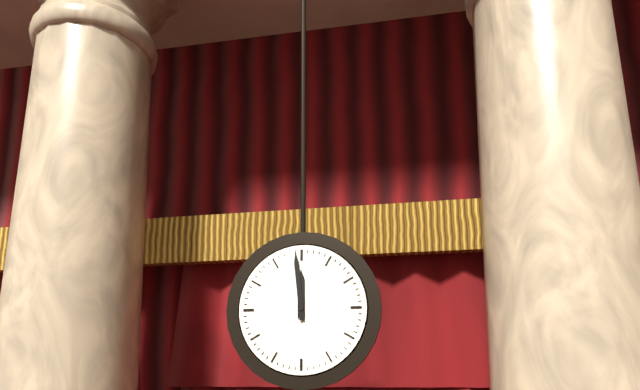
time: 11:59
